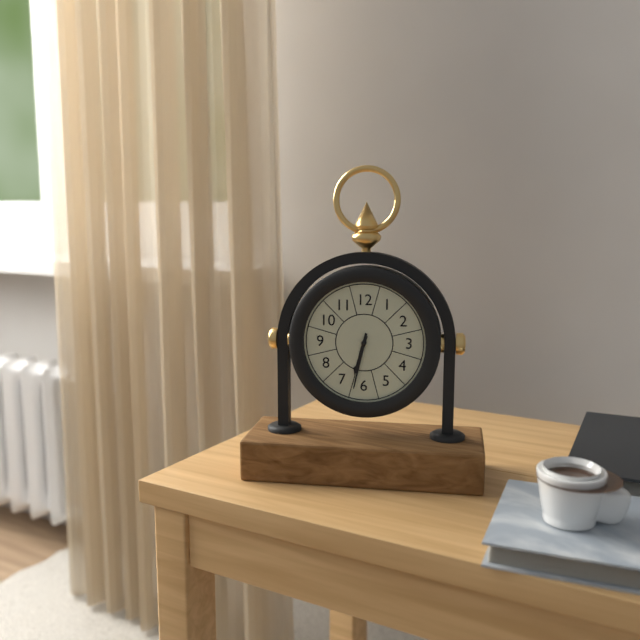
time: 6:32
